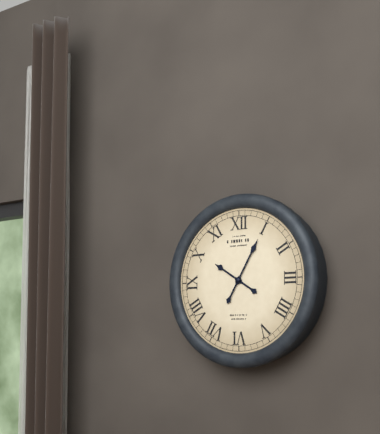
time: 10:05
